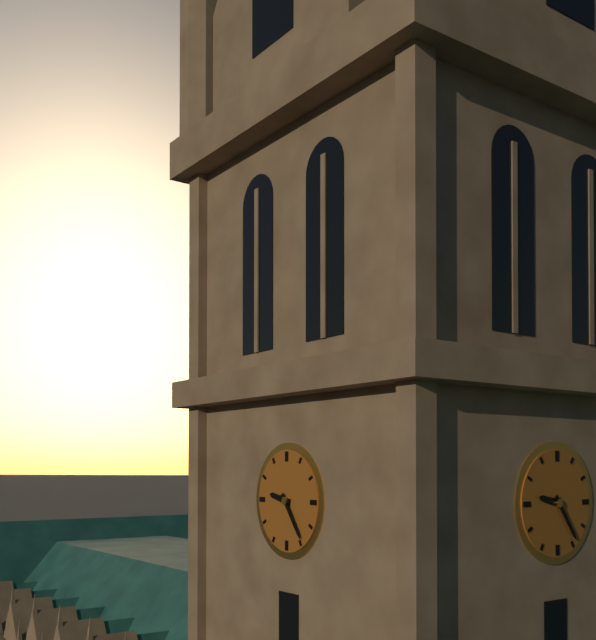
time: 9:24
